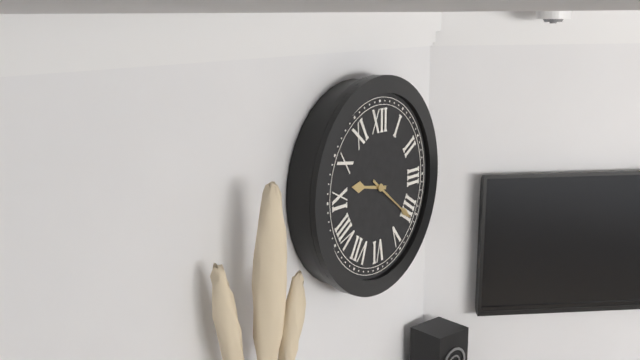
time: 9:21
